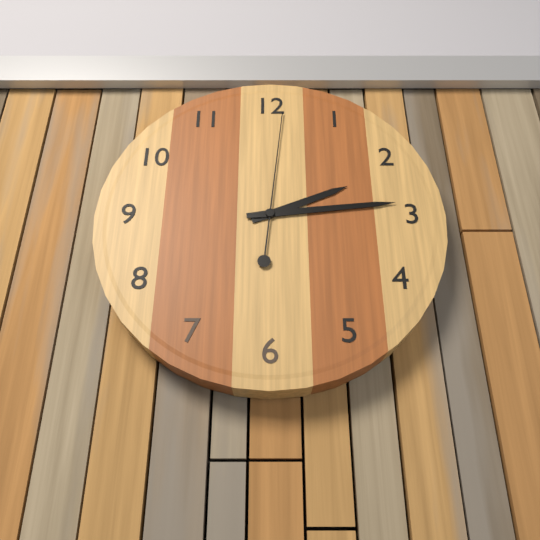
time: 2:14:01
